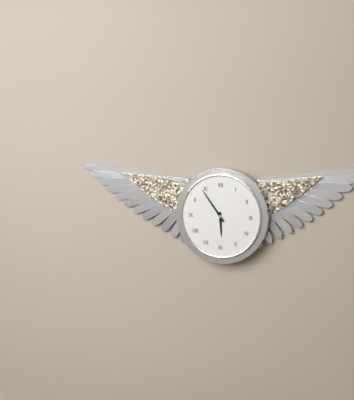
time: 5:54
